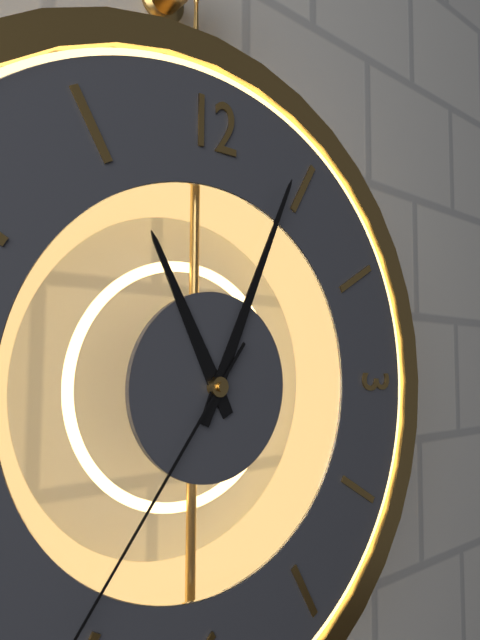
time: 11:04
